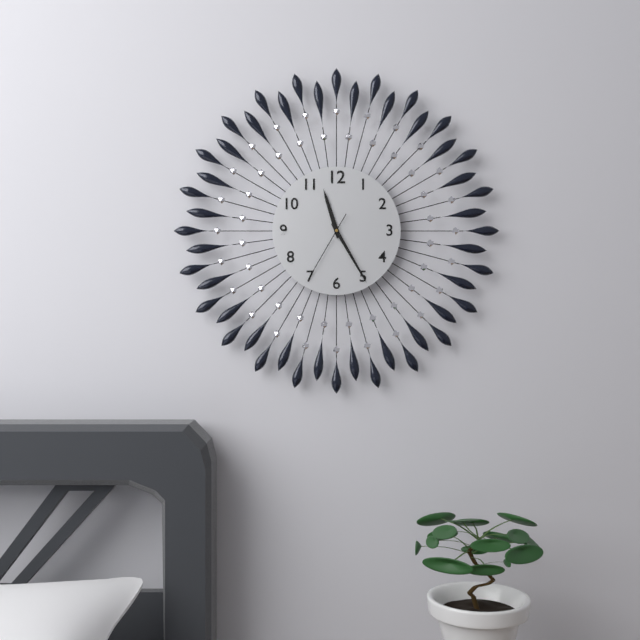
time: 11:25:35
